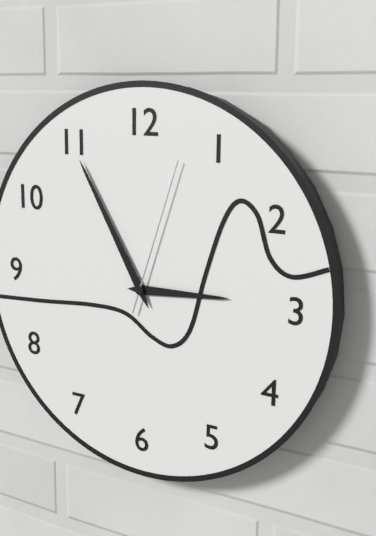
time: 2:55:03
